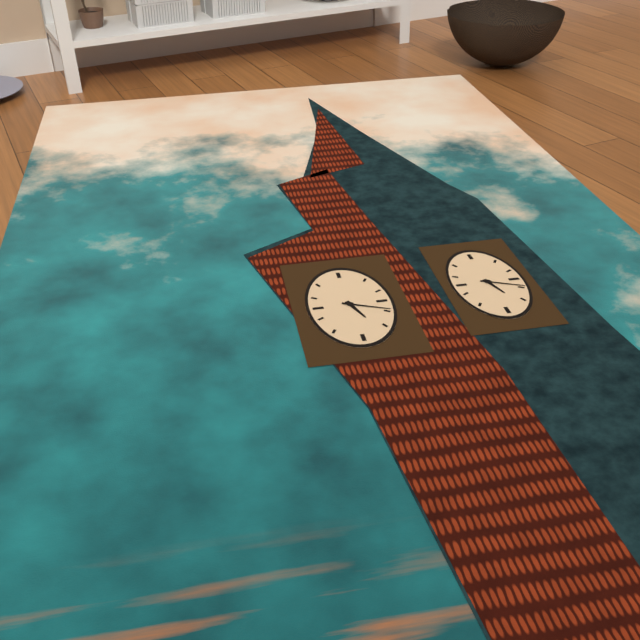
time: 5:19
